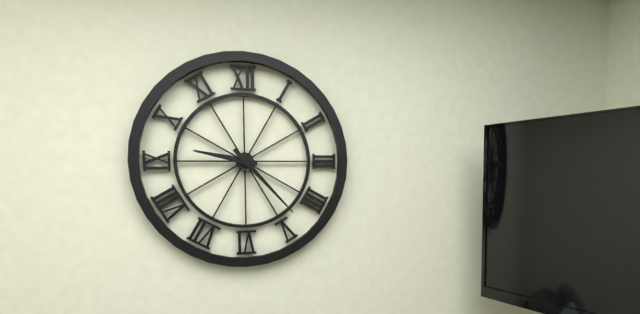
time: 9:23
